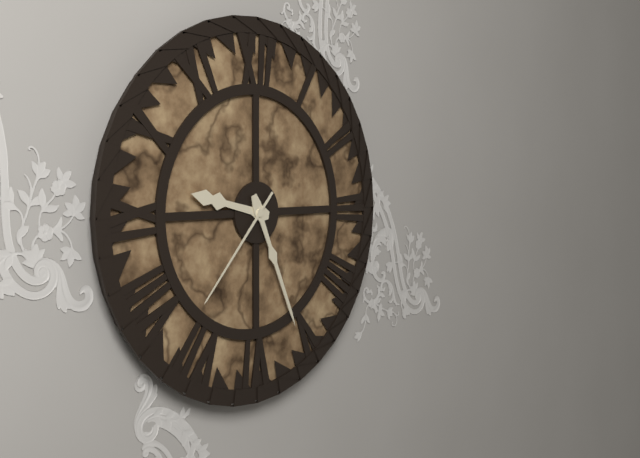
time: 9:26:37
